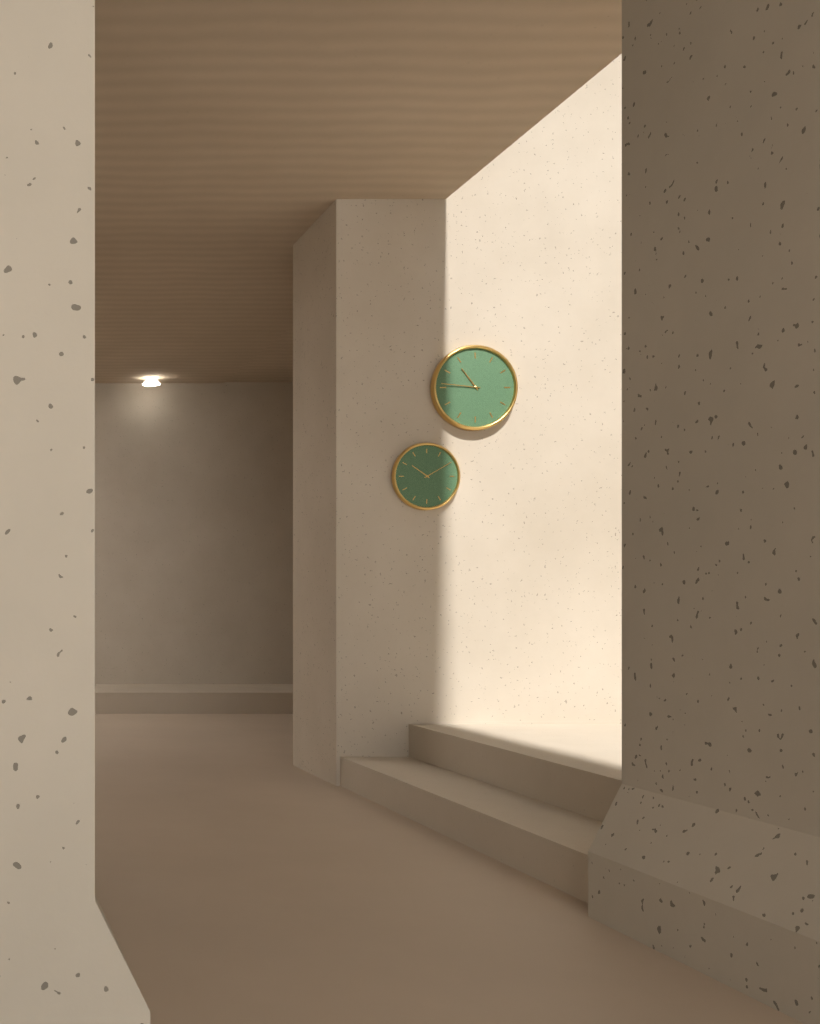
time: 10:46
